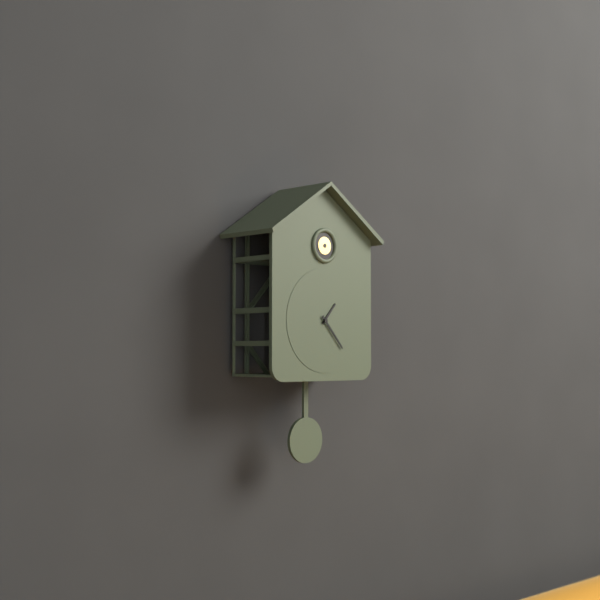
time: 1:23
